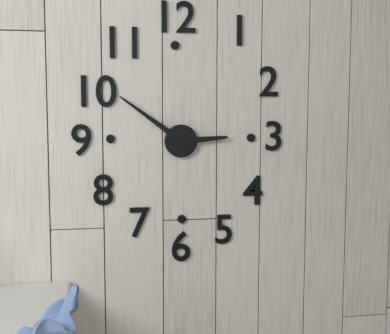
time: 2:51
